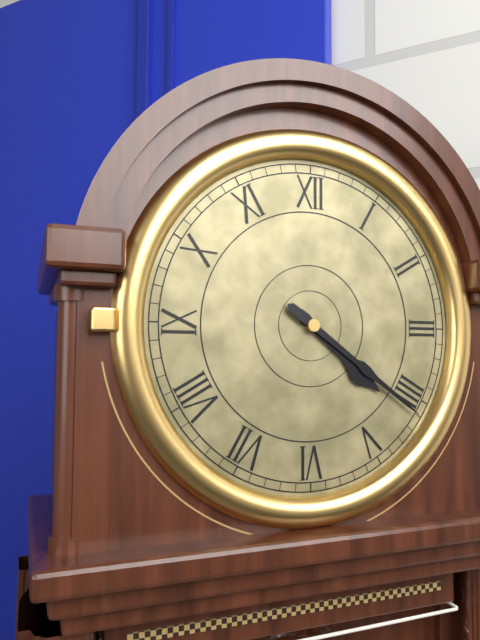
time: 4:21
